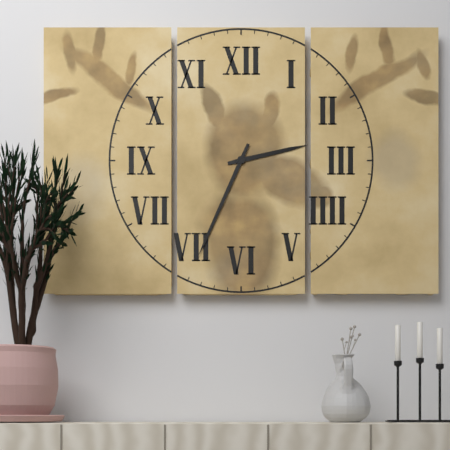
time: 2:34
